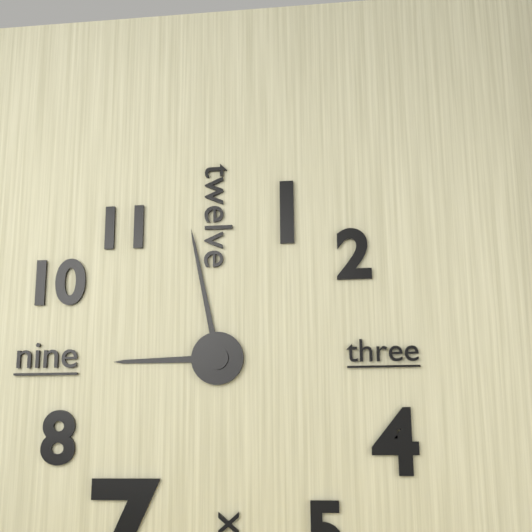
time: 8:58
